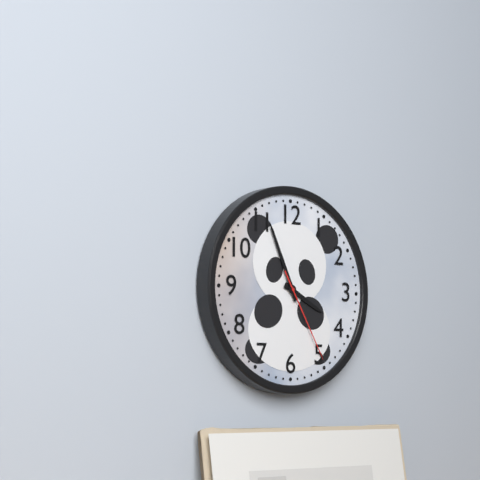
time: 3:56:25
